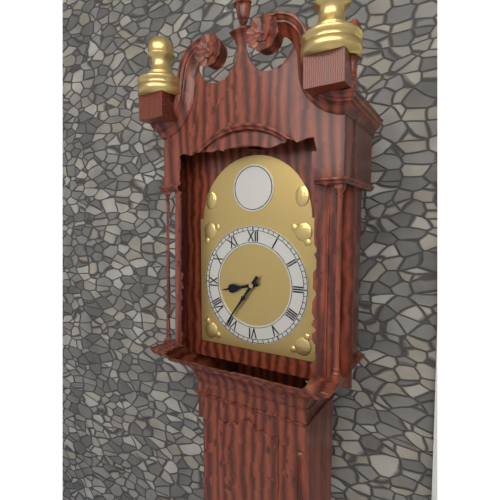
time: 8:36
